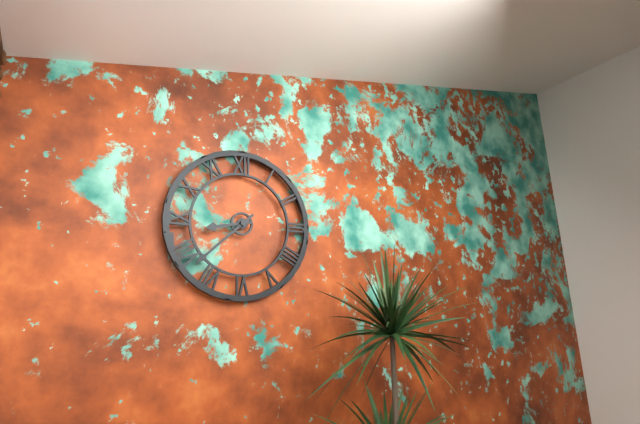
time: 8:38
